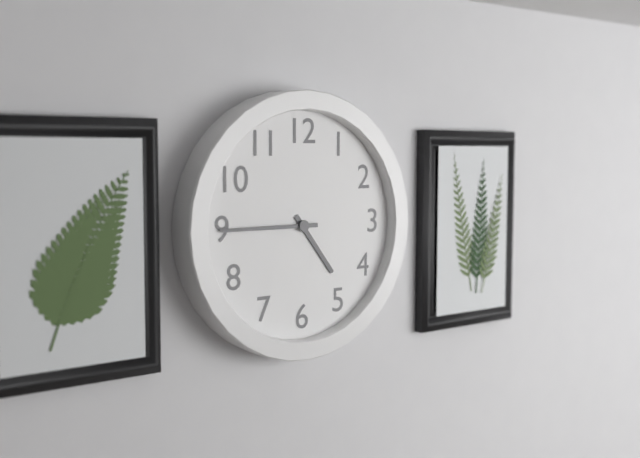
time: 4:45
